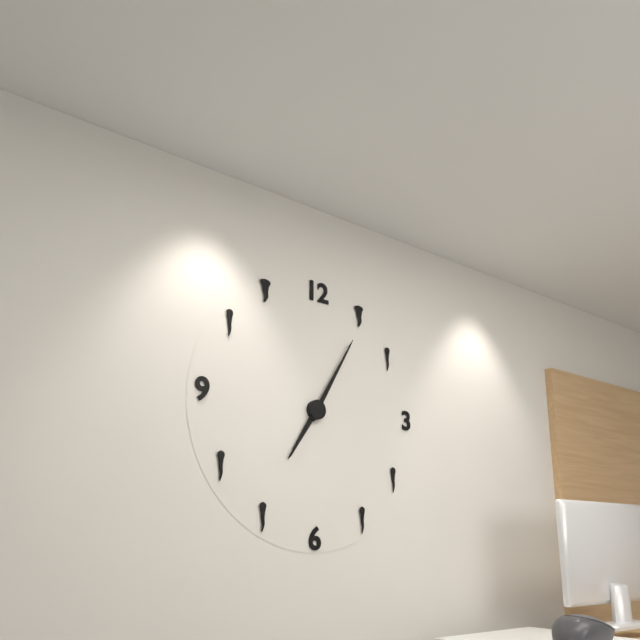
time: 7:05
